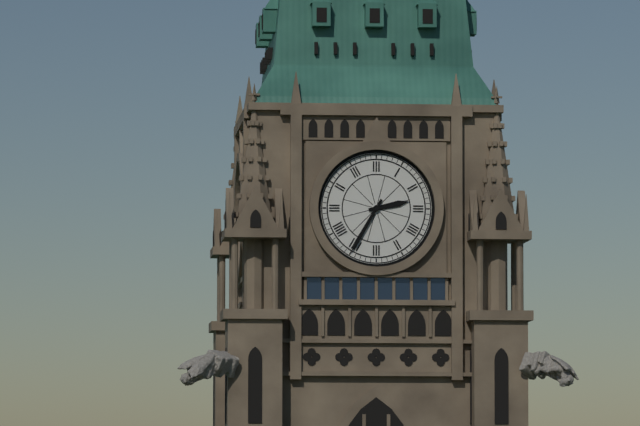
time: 2:35
